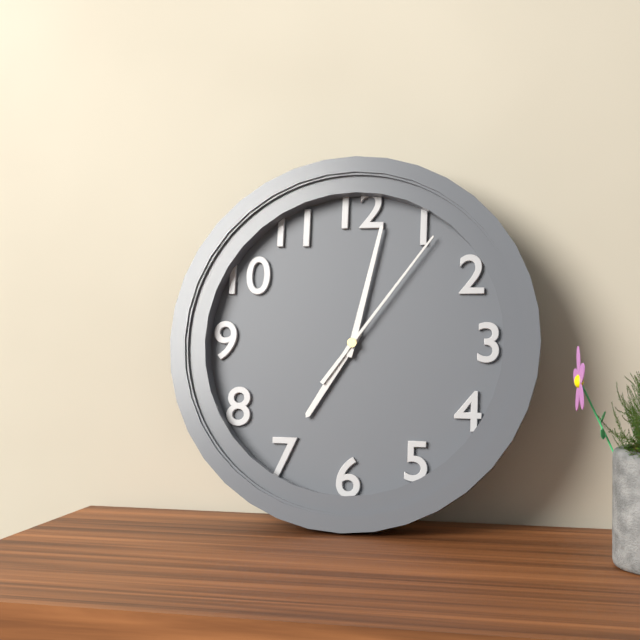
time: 7:02:06
